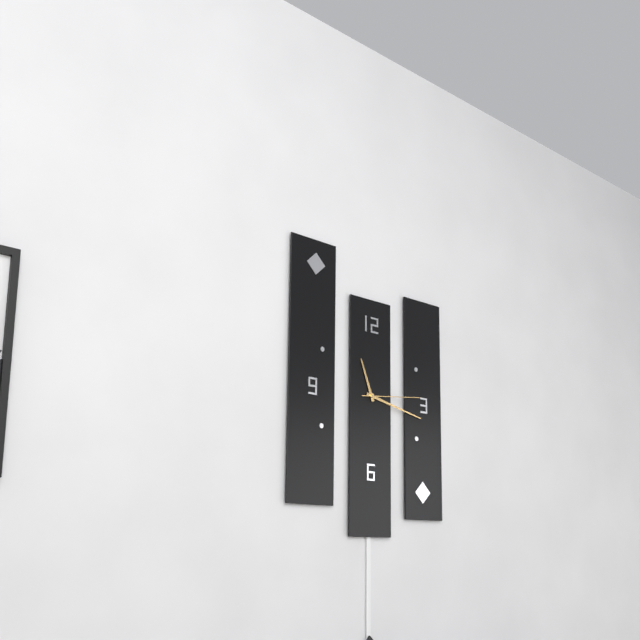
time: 11:17:14
